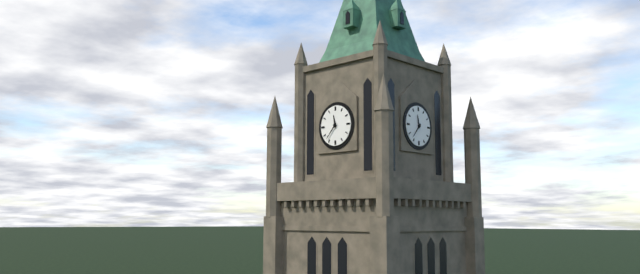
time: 11:37
